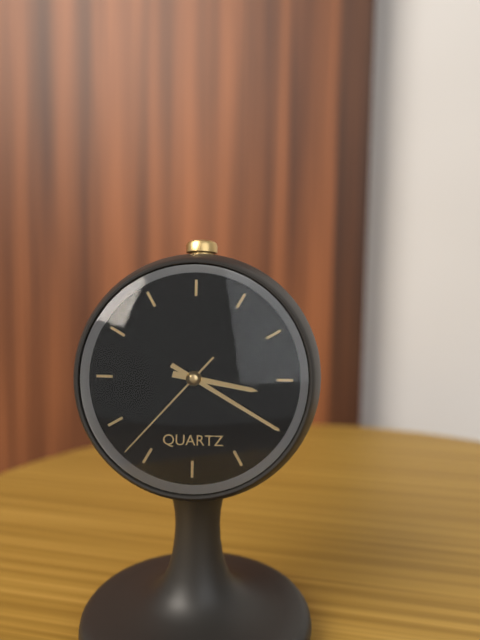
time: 3:20:37
